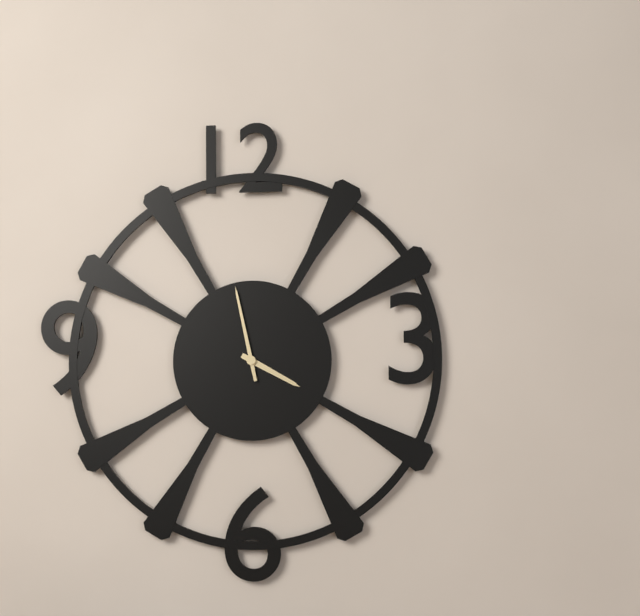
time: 3:58
